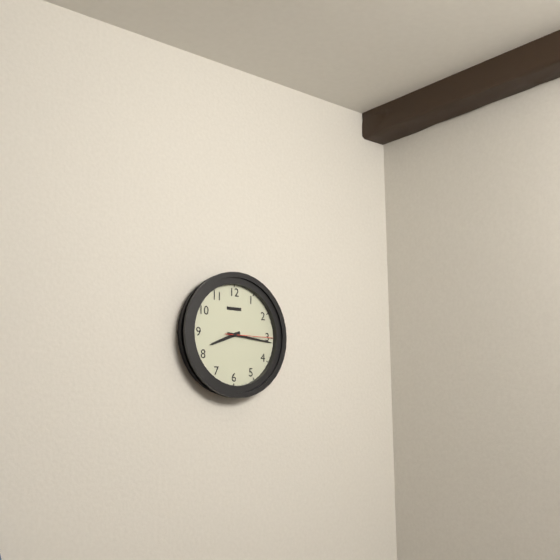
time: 8:16
